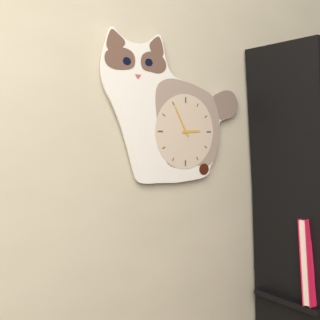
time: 2:55
